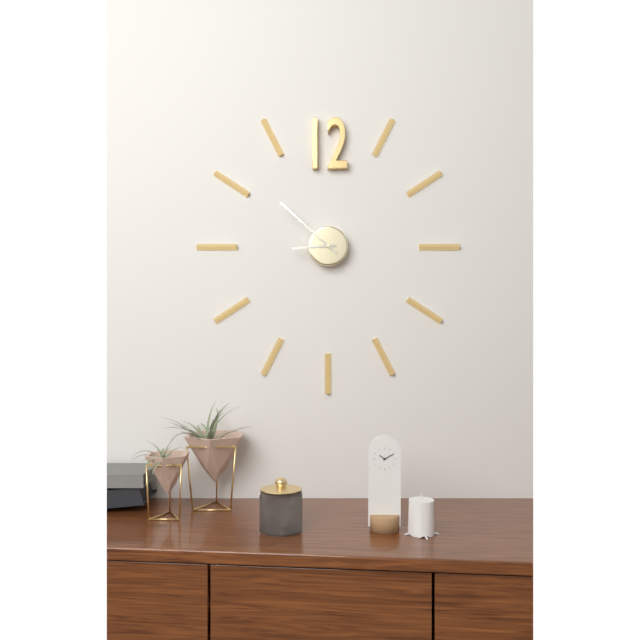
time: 8:52
